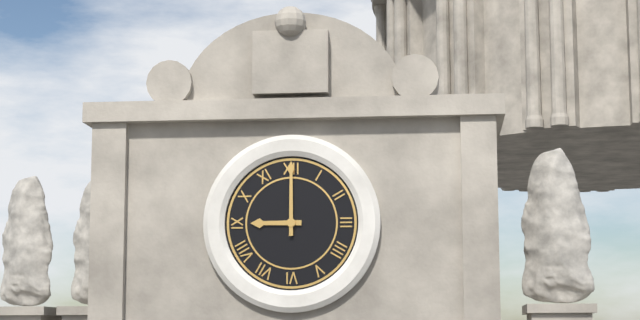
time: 9:00
